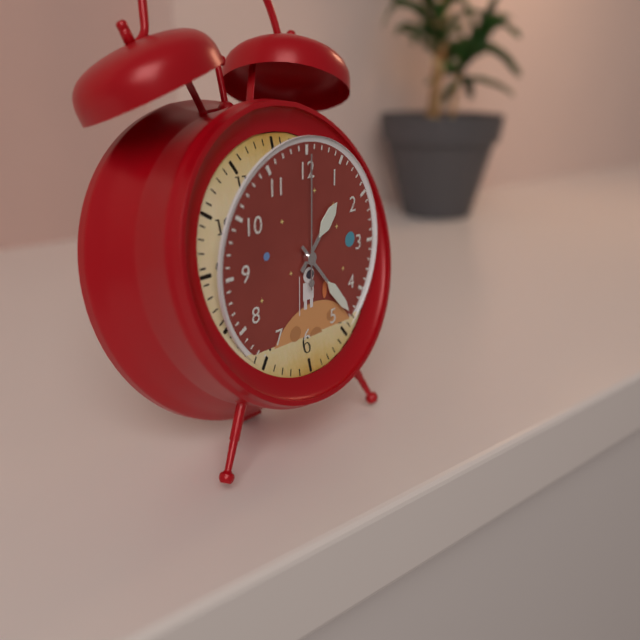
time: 1:23:00
